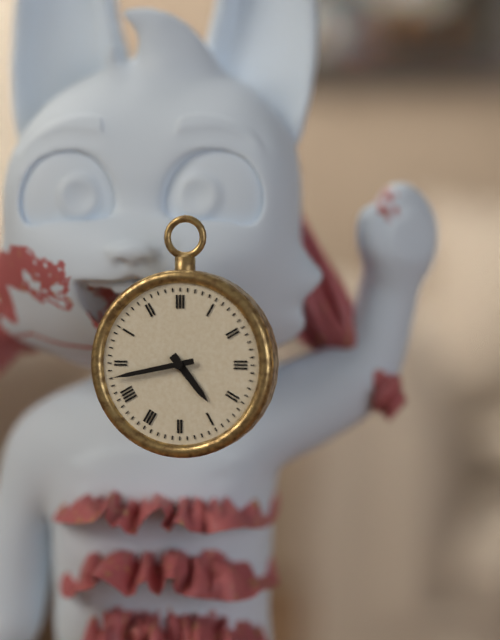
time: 4:43
